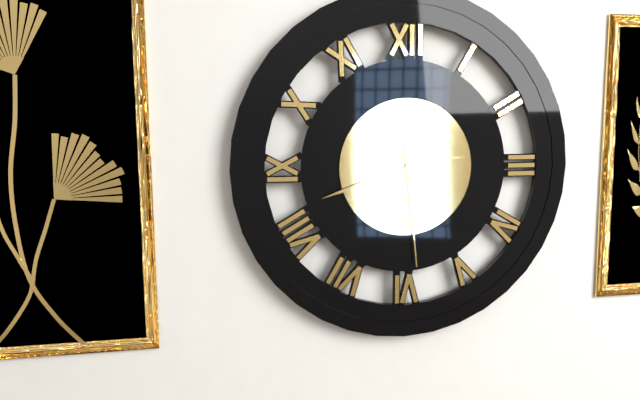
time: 2:42:29
